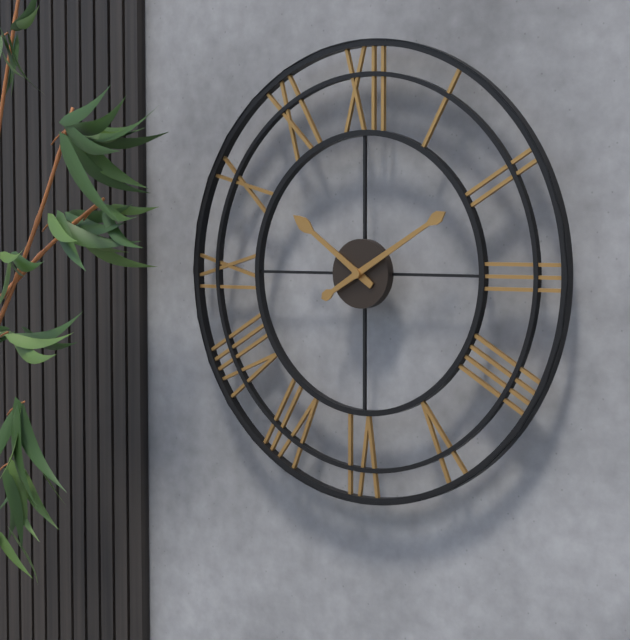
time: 10:10
